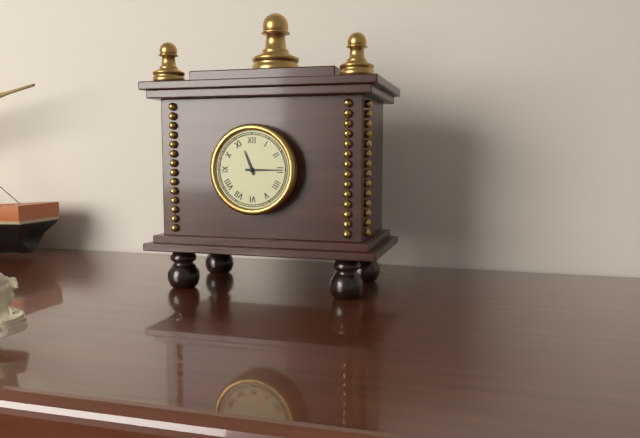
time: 11:15
